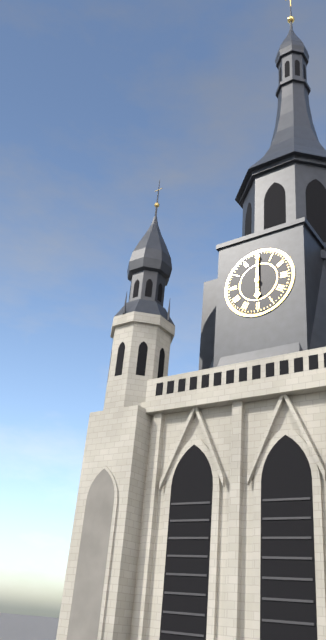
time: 6:00
